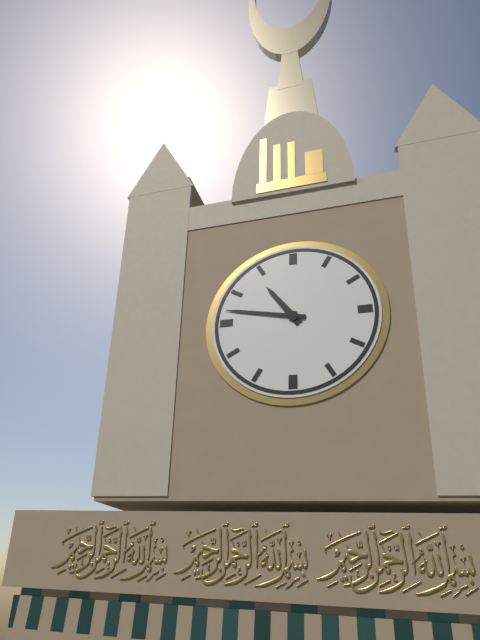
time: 10:47
